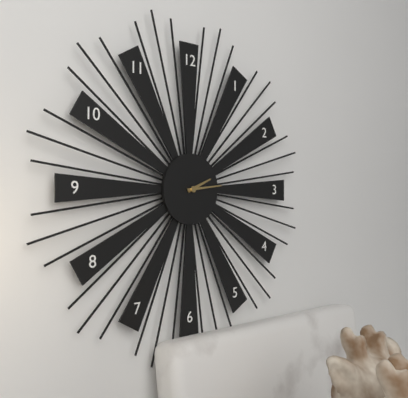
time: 2:14
